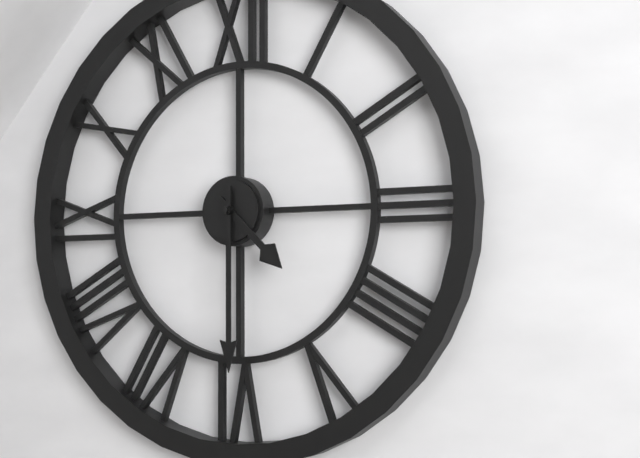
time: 4:30
